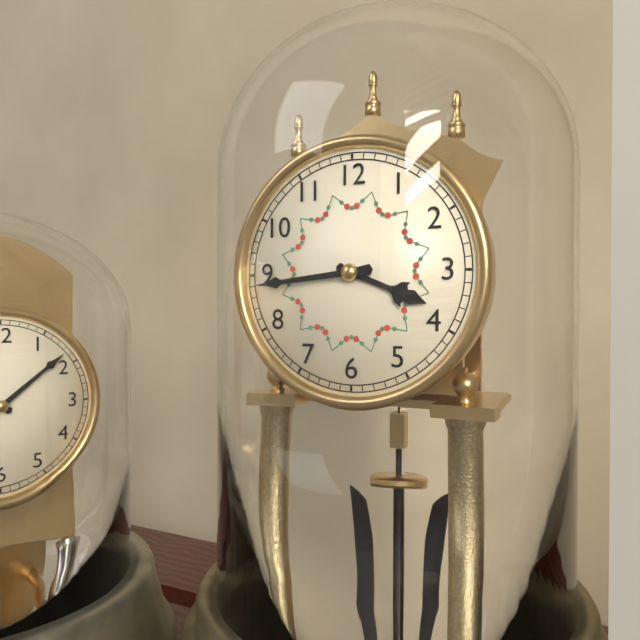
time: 3:44
